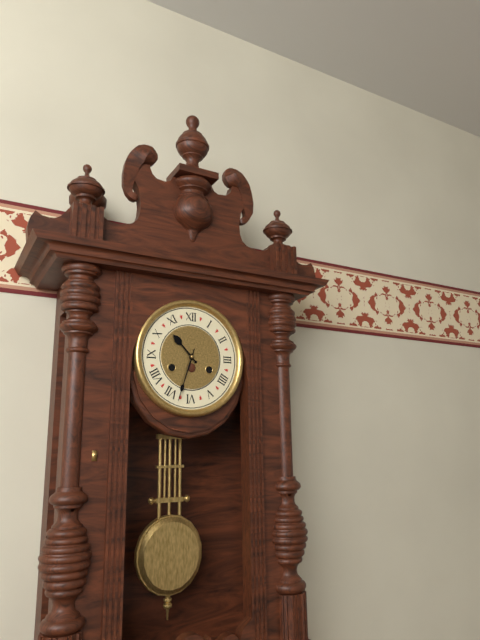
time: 10:33
